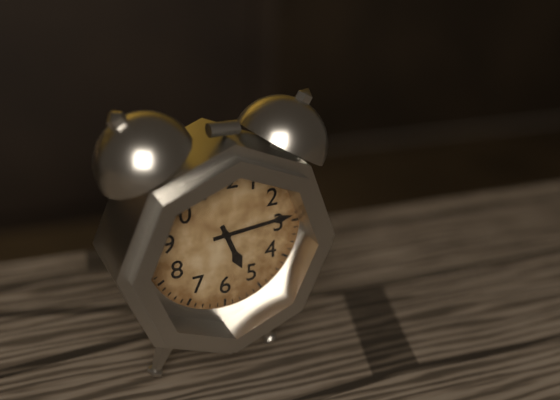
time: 5:14
